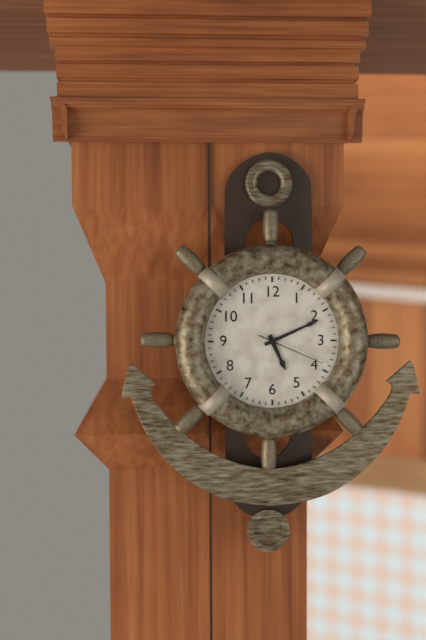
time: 5:11:19
